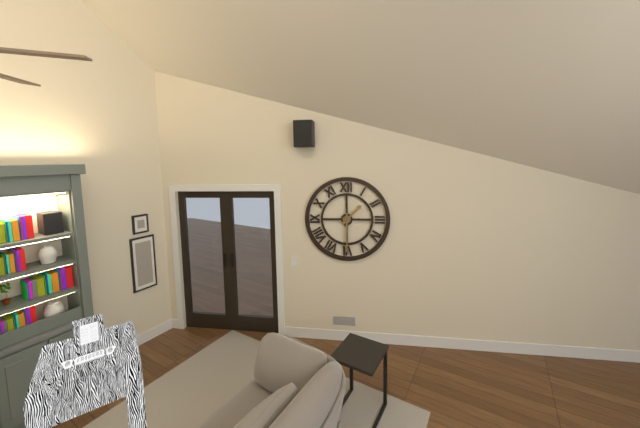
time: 1:30
